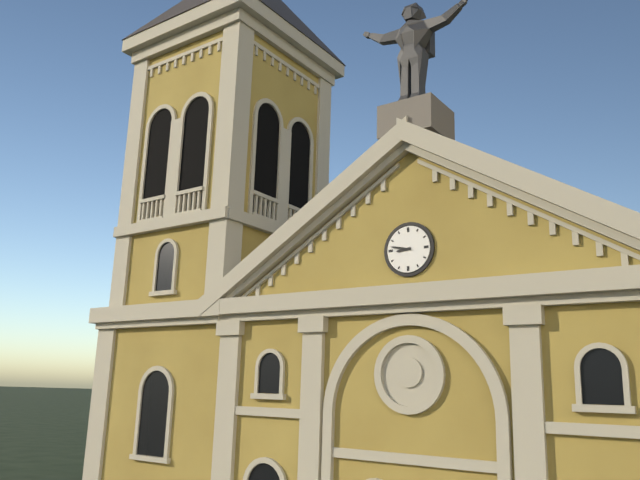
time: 8:47
